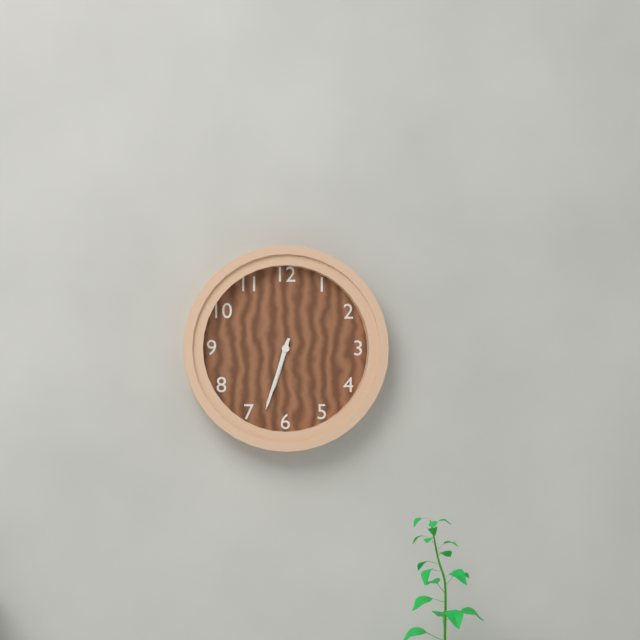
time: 6:33
